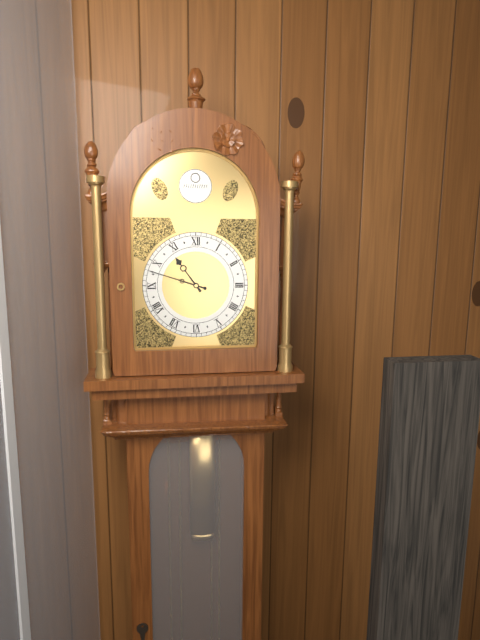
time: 10:48
